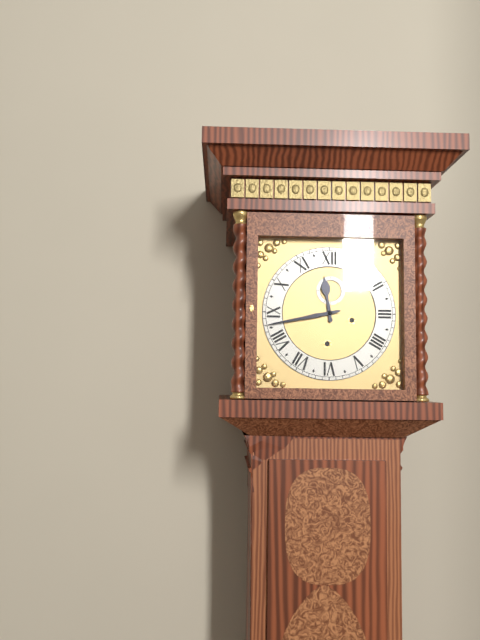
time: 11:43
